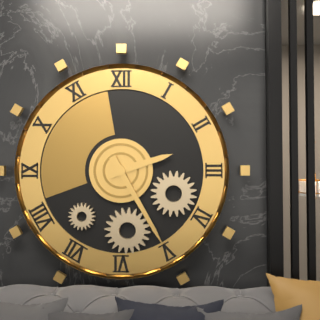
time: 2:25
